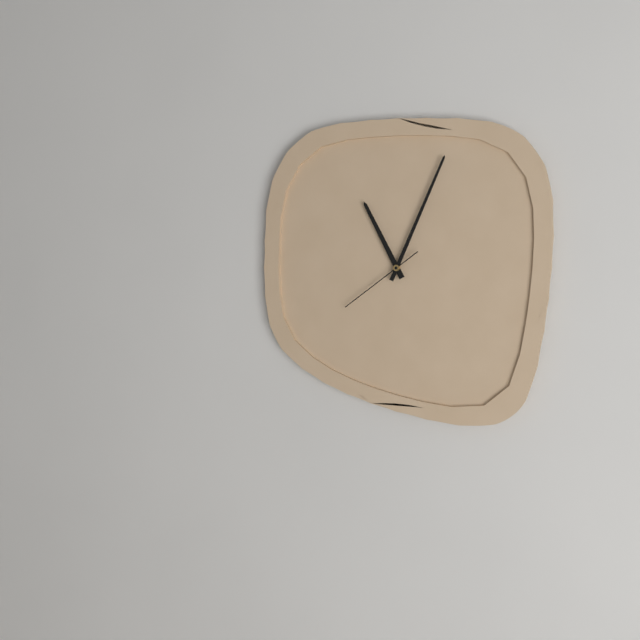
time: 11:04:39
